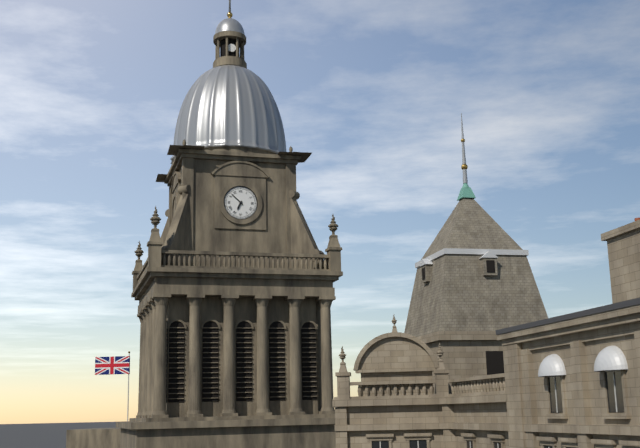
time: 6:52
